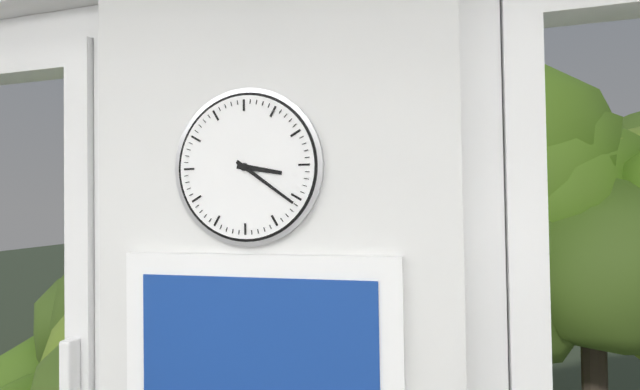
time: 3:21
